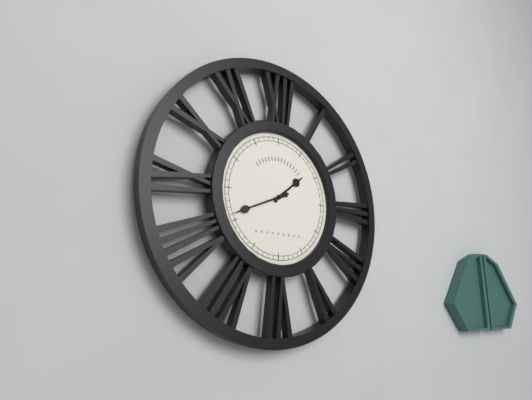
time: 1:41
